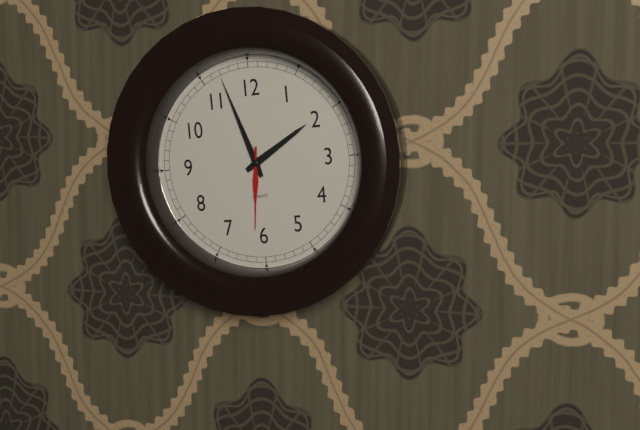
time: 1:57:31
